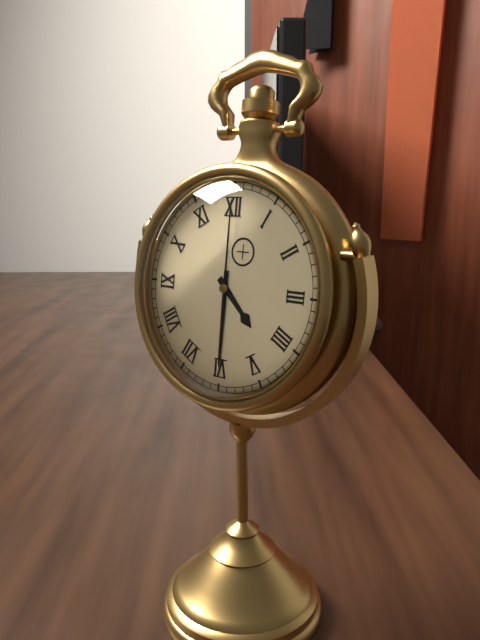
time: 4:30:00
